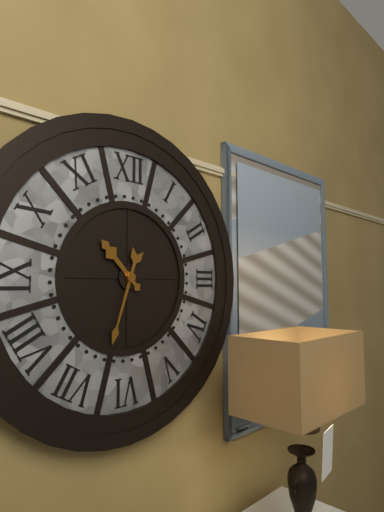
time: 10:33
